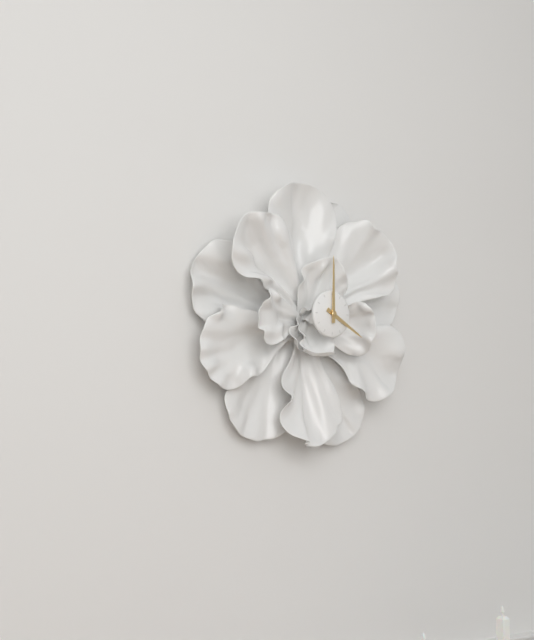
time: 4:00
